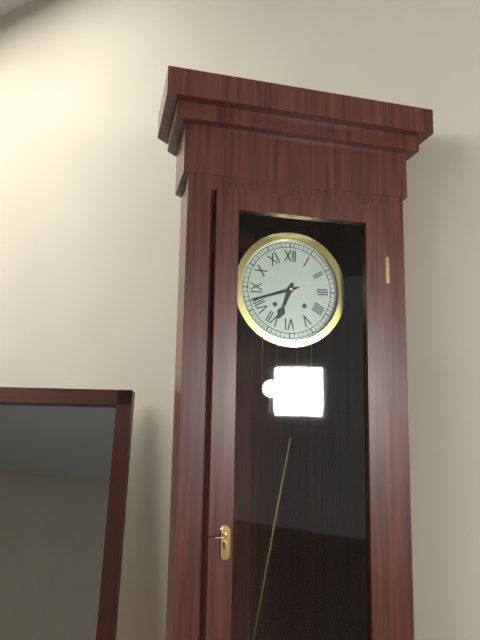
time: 6:42
